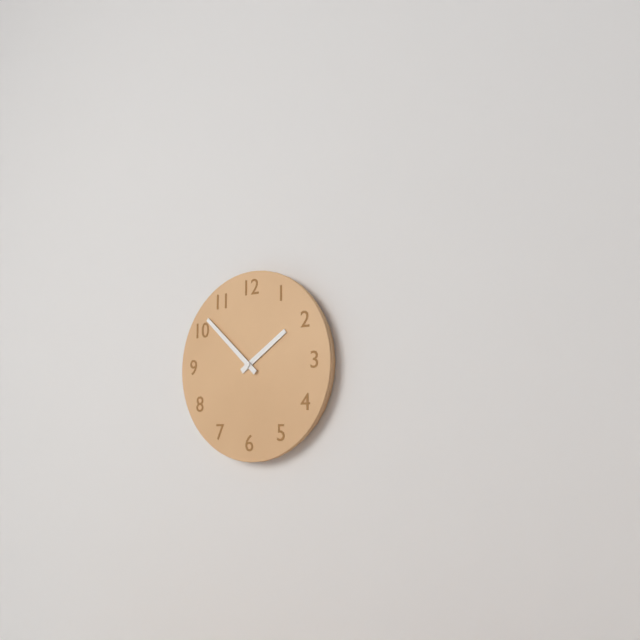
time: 1:52
